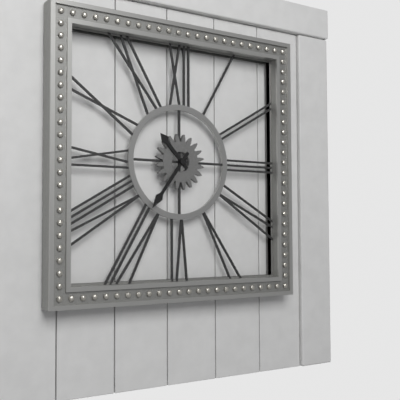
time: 10:36
